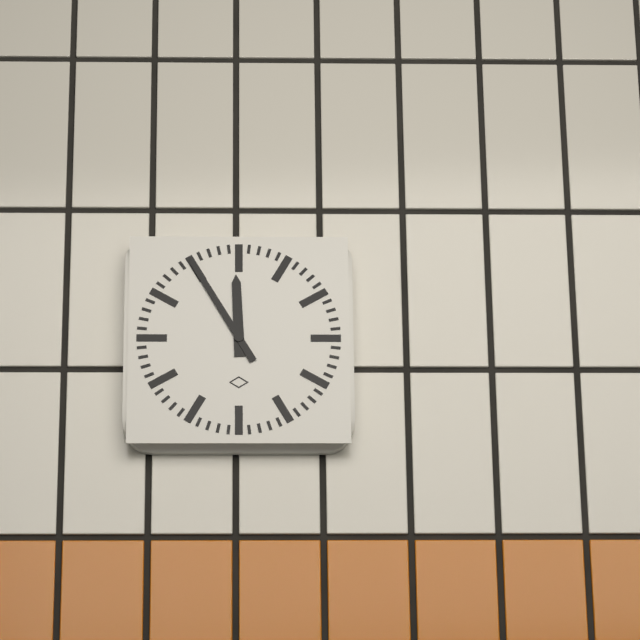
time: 11:55
